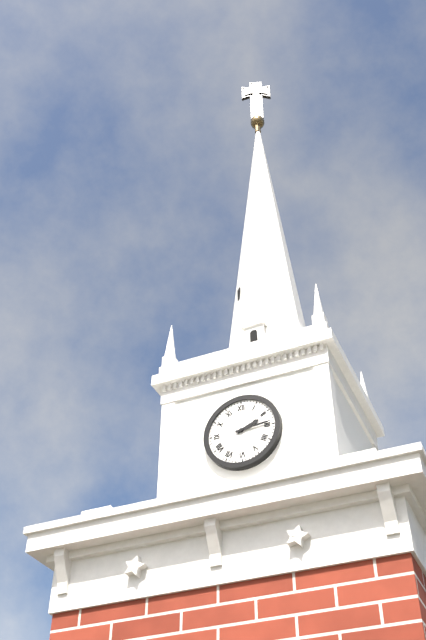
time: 2:14
